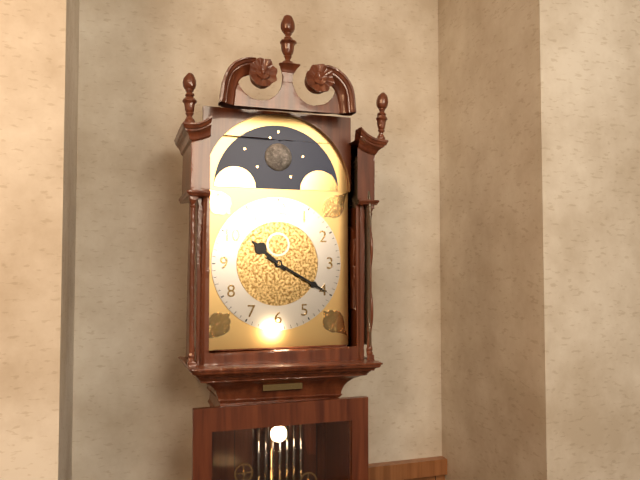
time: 10:20
